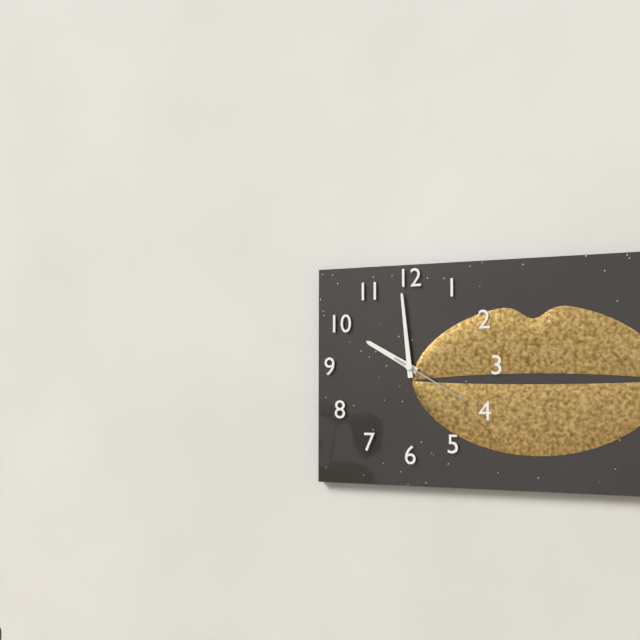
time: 9:59:20
